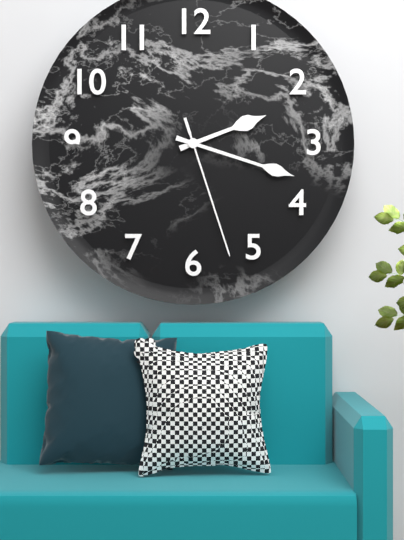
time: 2:18:27
